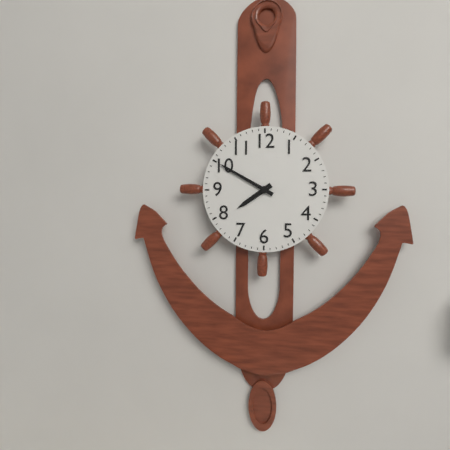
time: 7:50
